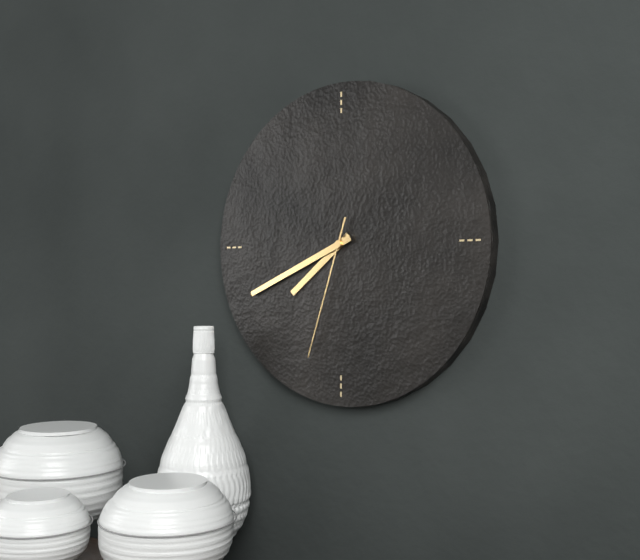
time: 7:41:33
